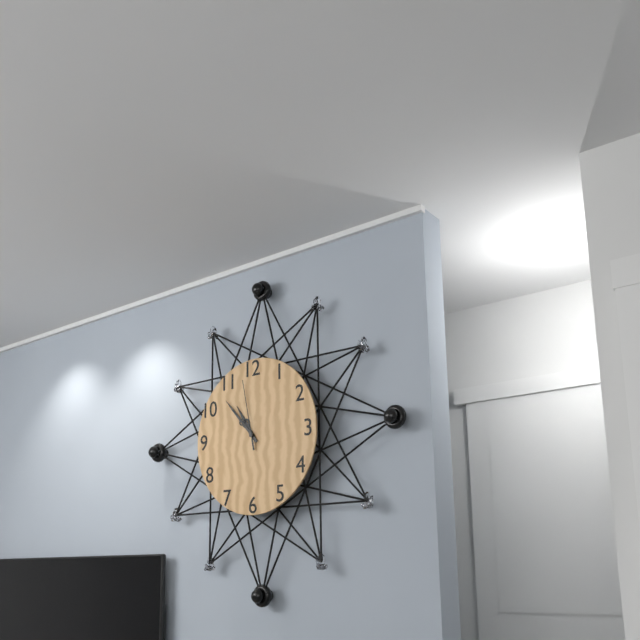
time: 10:53:58
